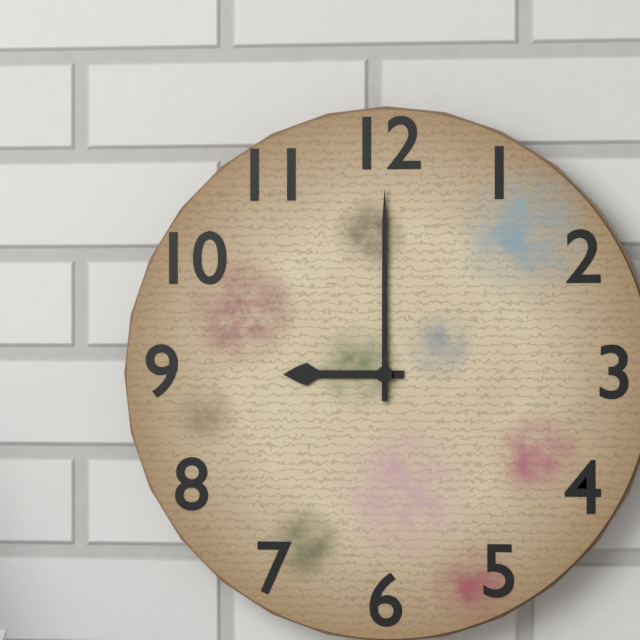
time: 9:00
